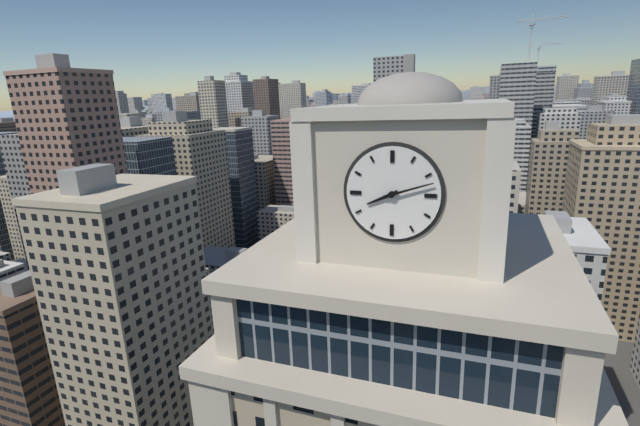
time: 8:12
